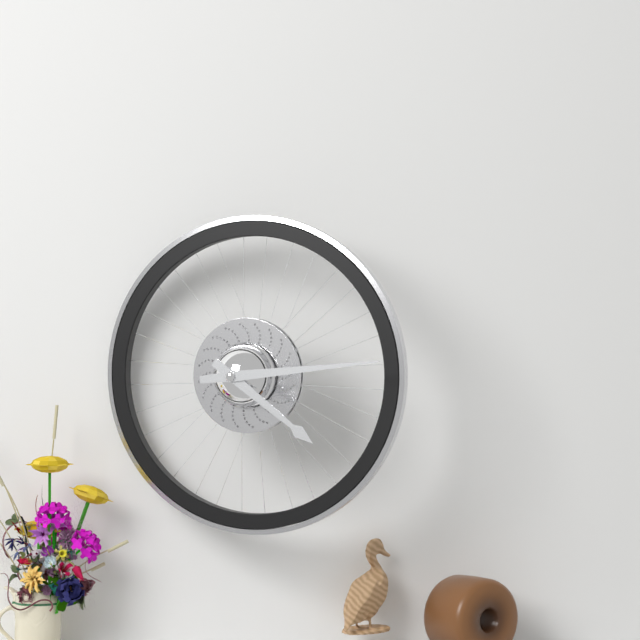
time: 4:14
